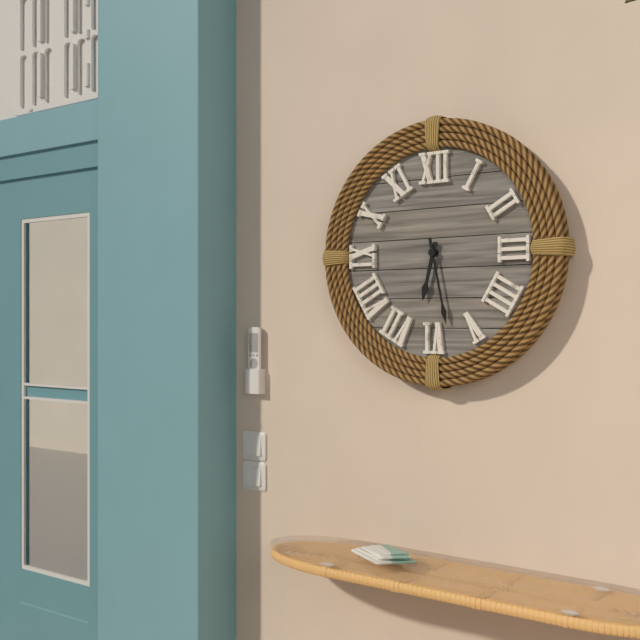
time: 6:28
